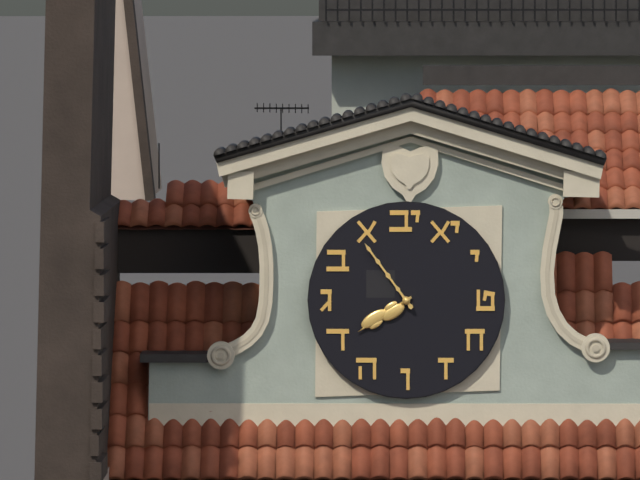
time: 7:54
